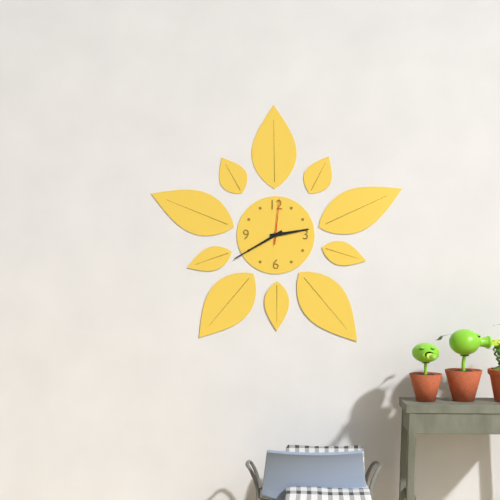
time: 2:40
